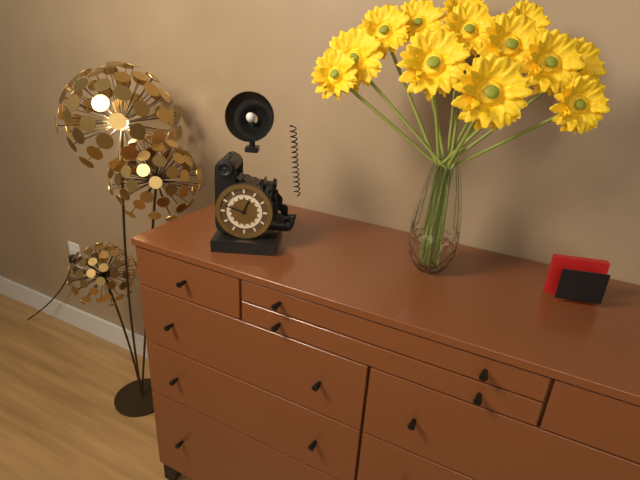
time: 12:48
